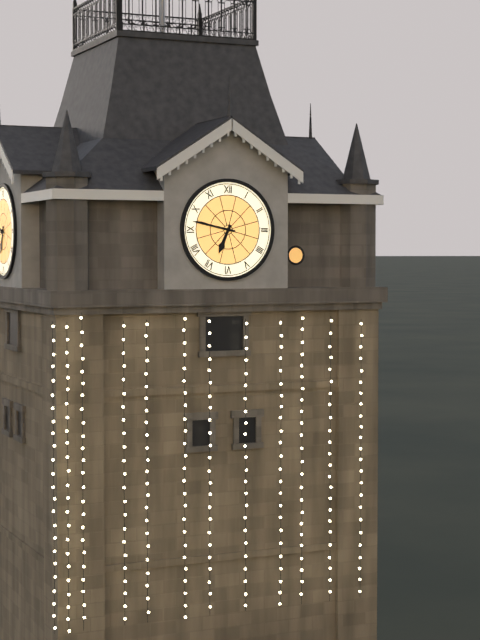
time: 6:47
